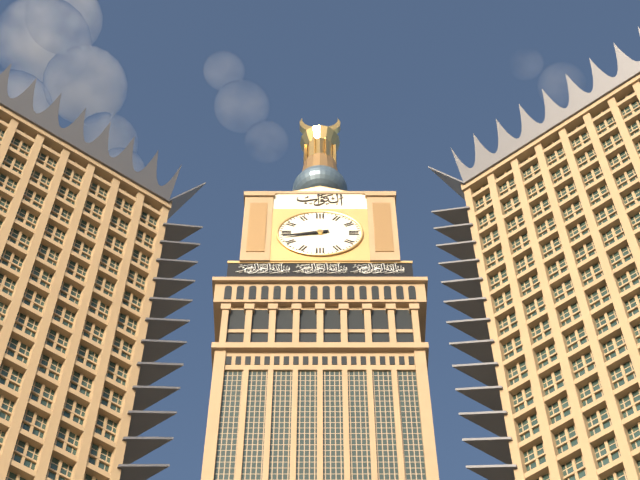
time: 8:43
